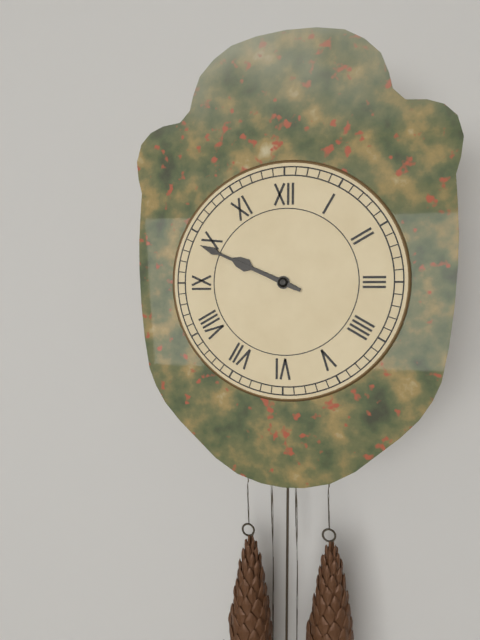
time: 9:49
